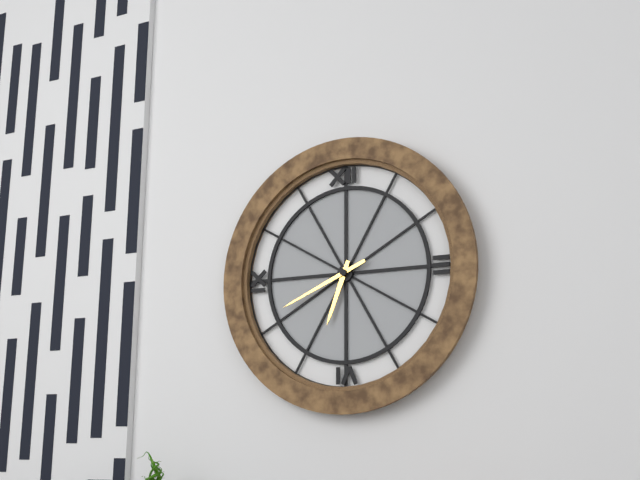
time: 6:41
